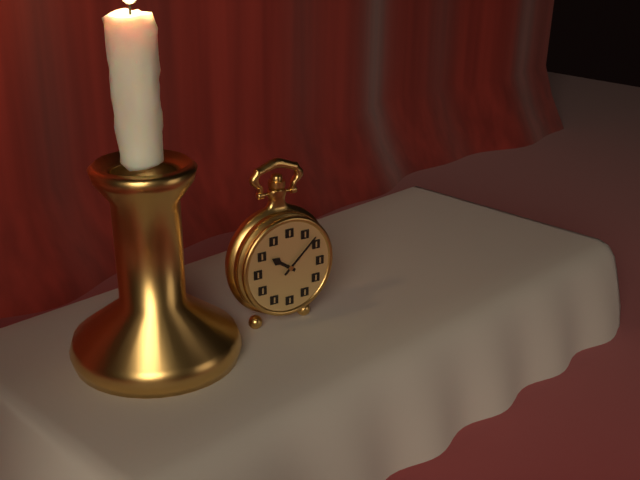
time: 10:08
